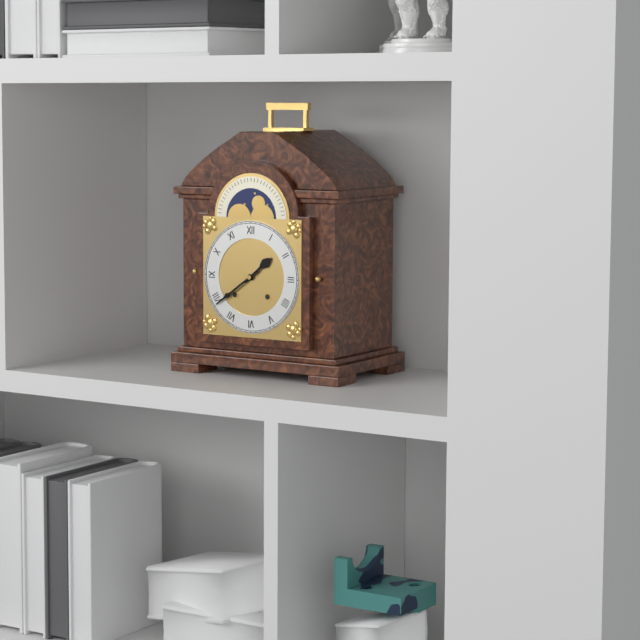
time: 1:39
